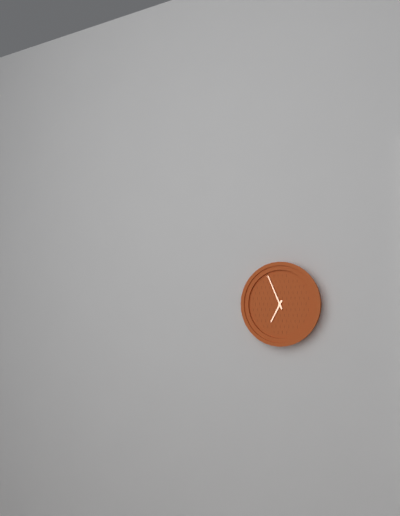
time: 6:56
